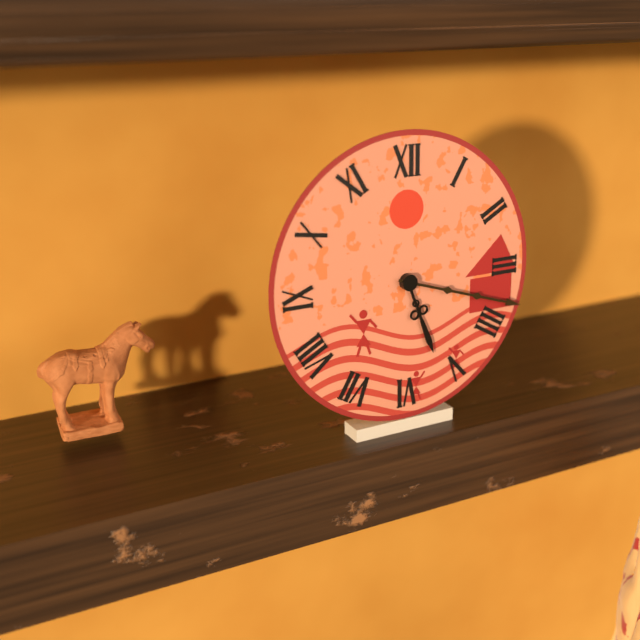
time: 5:18
